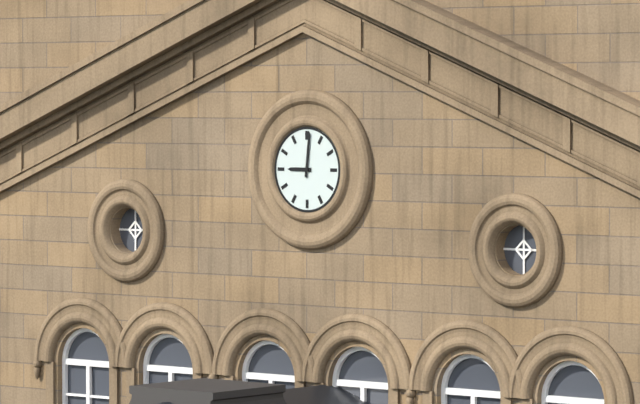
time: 9:01
